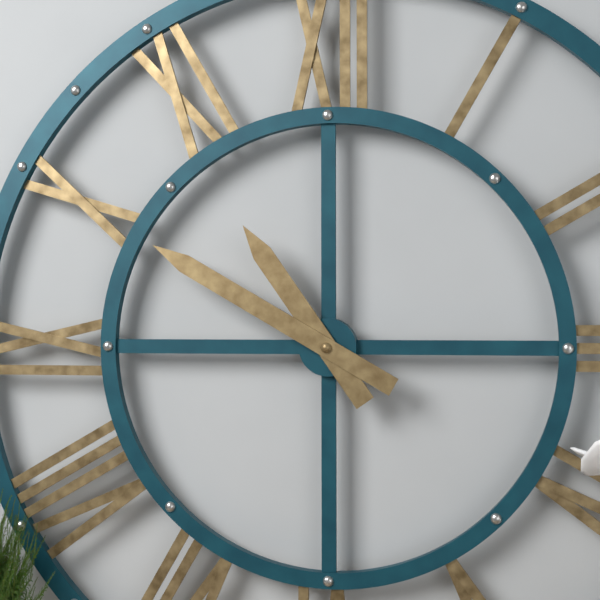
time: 10:50
